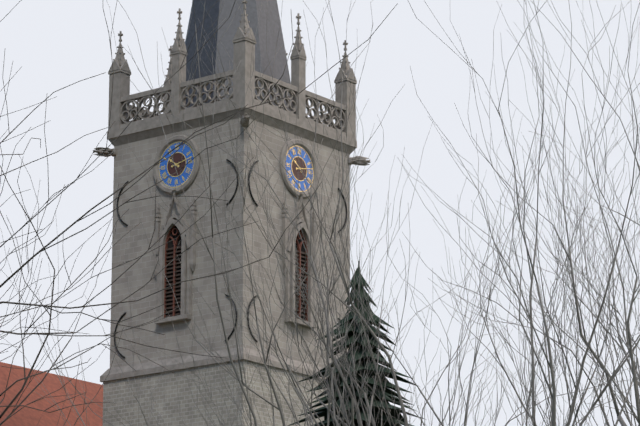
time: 10:13
